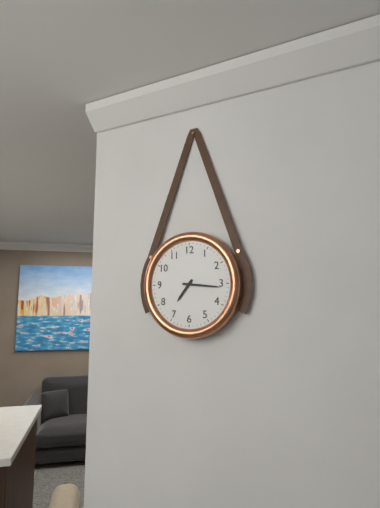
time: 7:16
